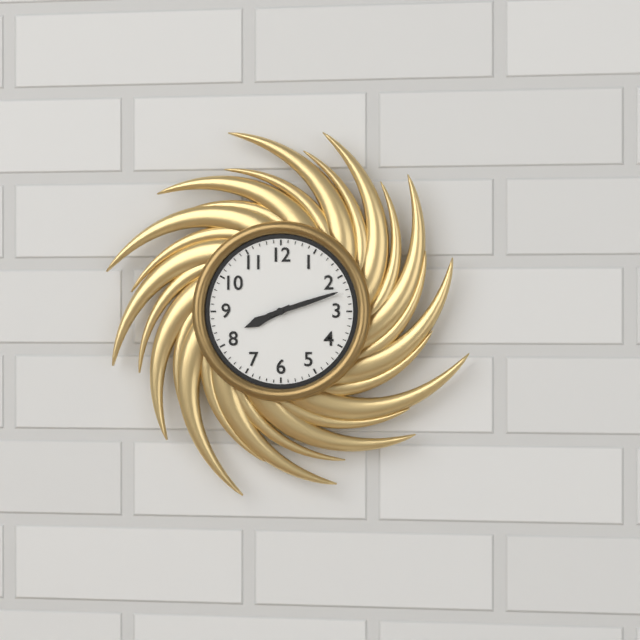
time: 8:12
